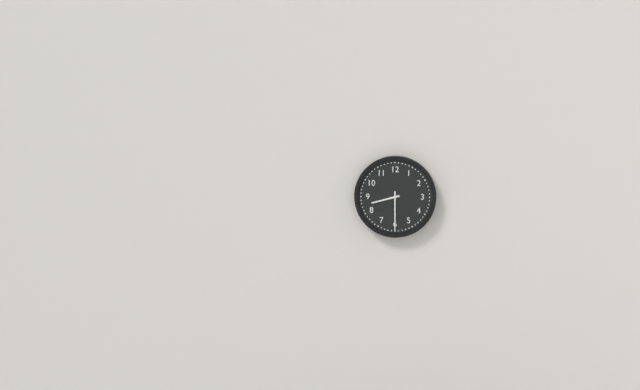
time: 8:30
